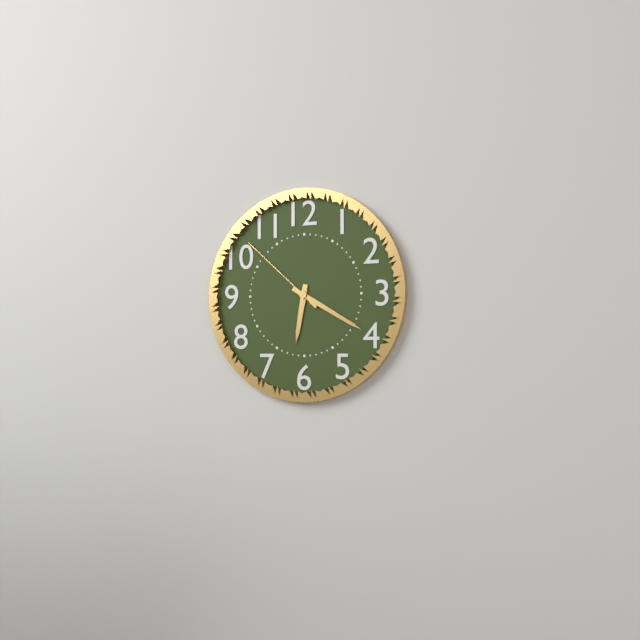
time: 6:20:52
